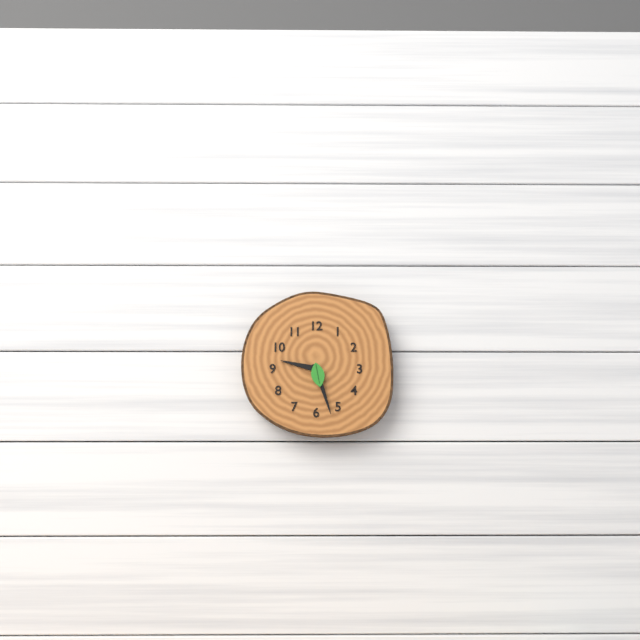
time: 9:27
